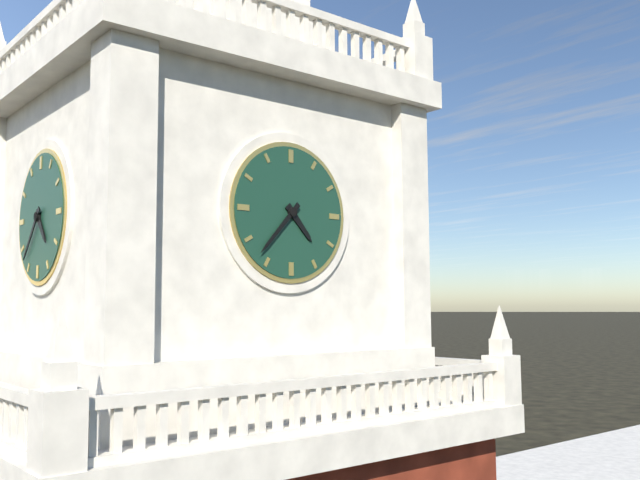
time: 4:37
